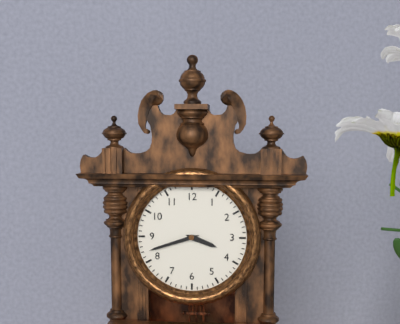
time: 3:42
